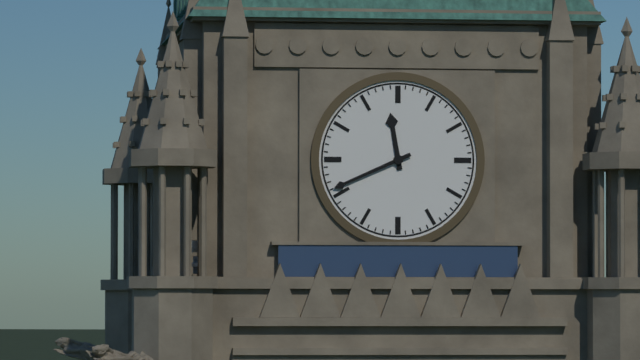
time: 11:41
